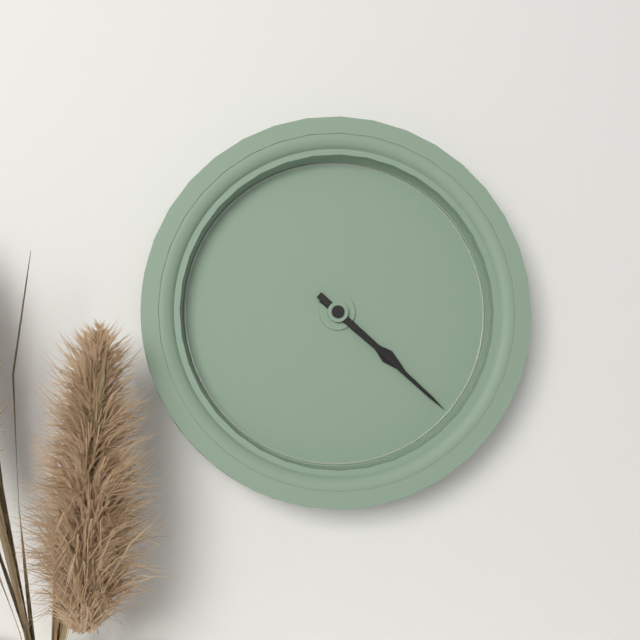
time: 4:22
